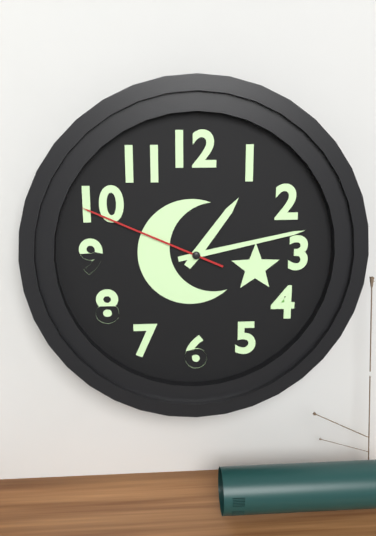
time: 1:13:49
